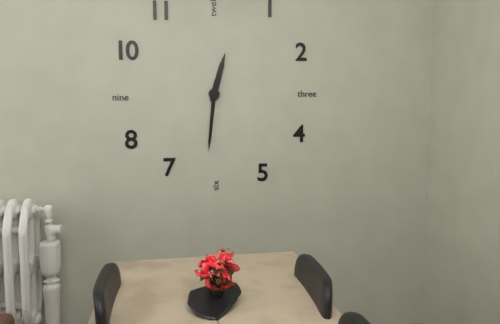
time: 12:31
